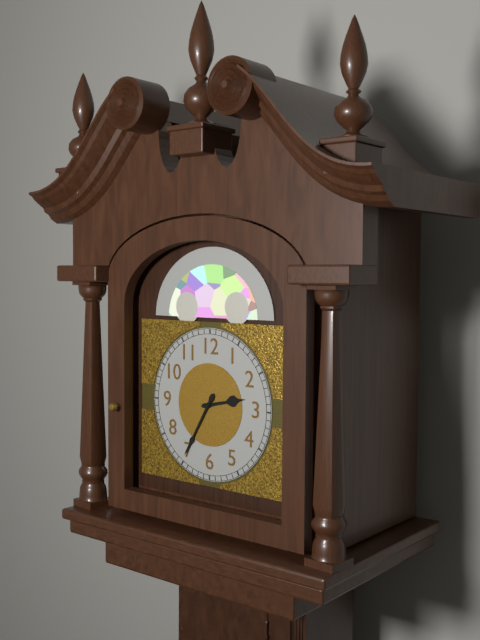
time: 2:35
